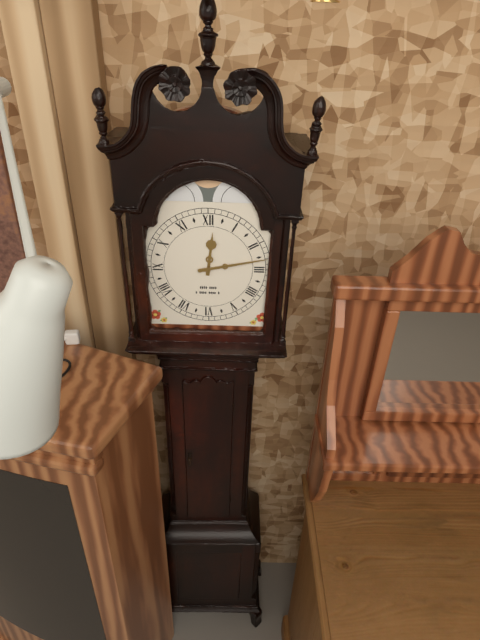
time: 12:13
